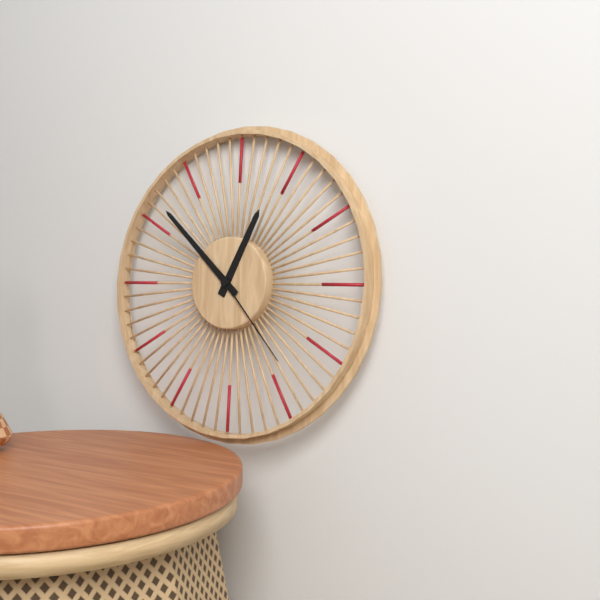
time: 12:52:23
